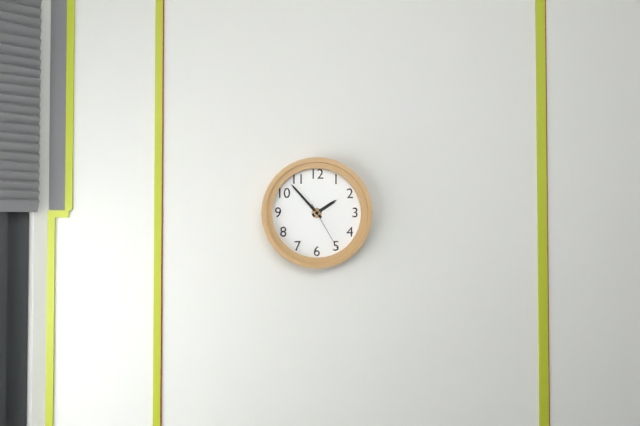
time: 1:53:25
